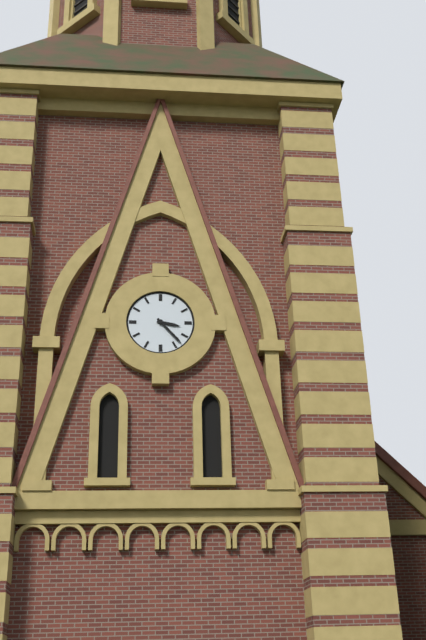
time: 3:23
